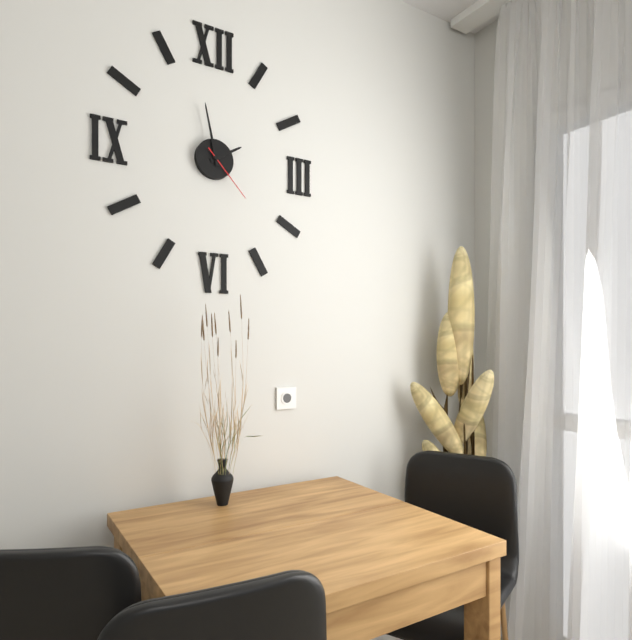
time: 1:58:23
